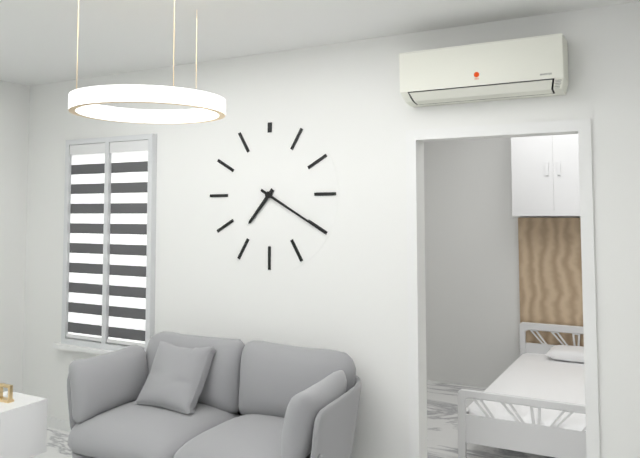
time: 7:20
